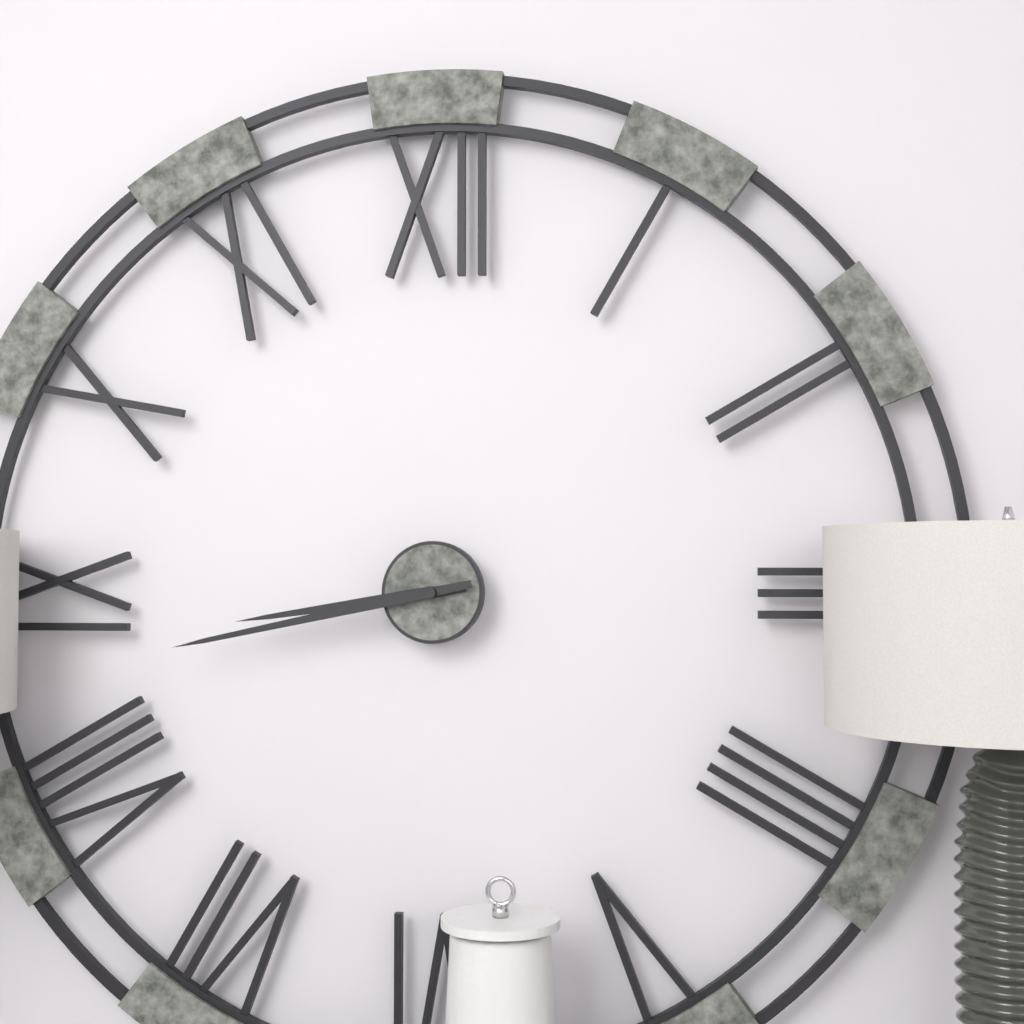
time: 8:43
